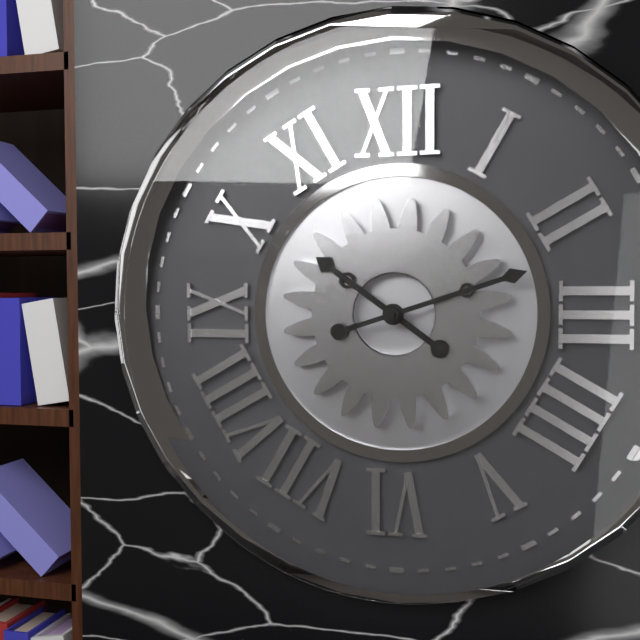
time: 10:12
